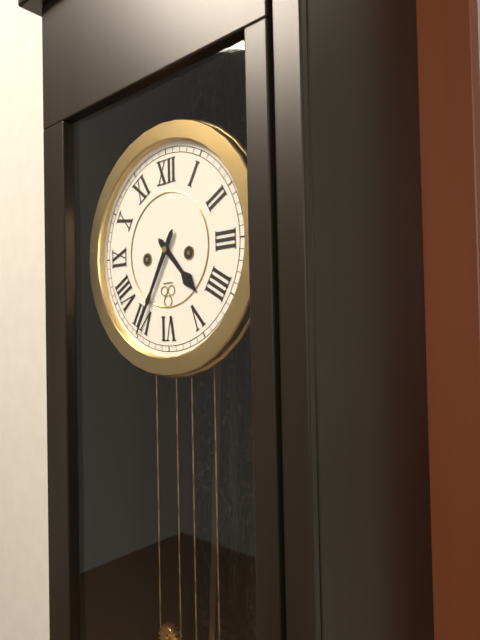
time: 4:35
